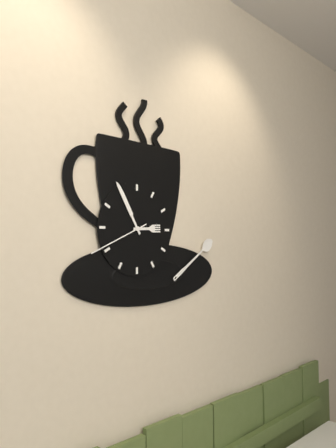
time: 2:55:41
